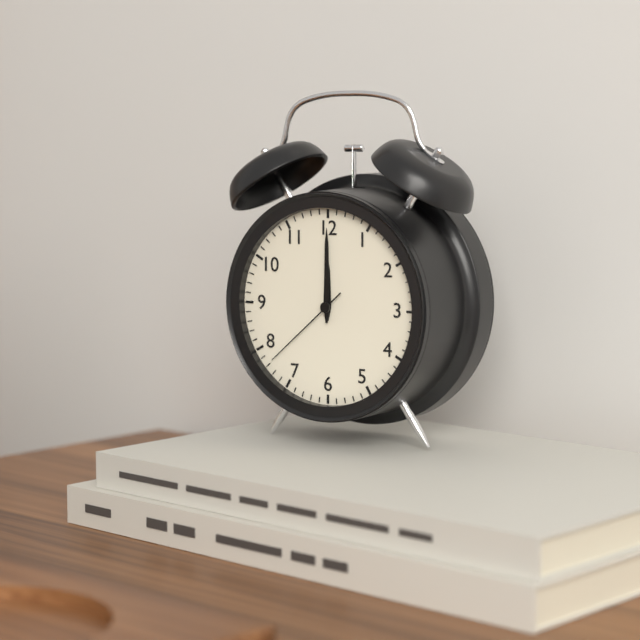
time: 12:00:38
